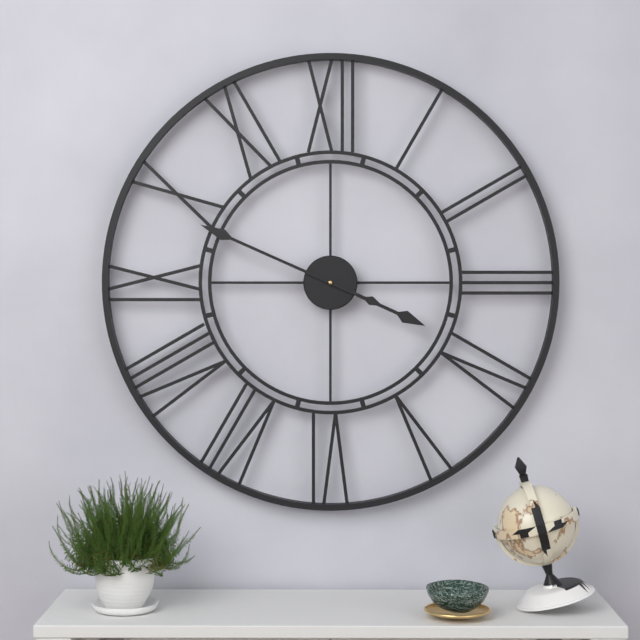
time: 3:49
